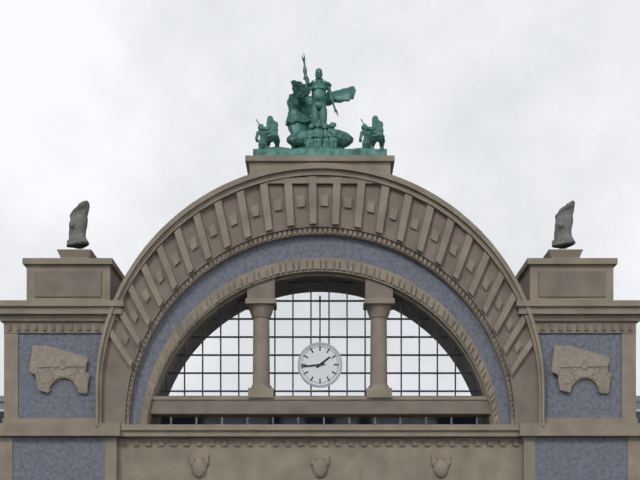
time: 1:44
